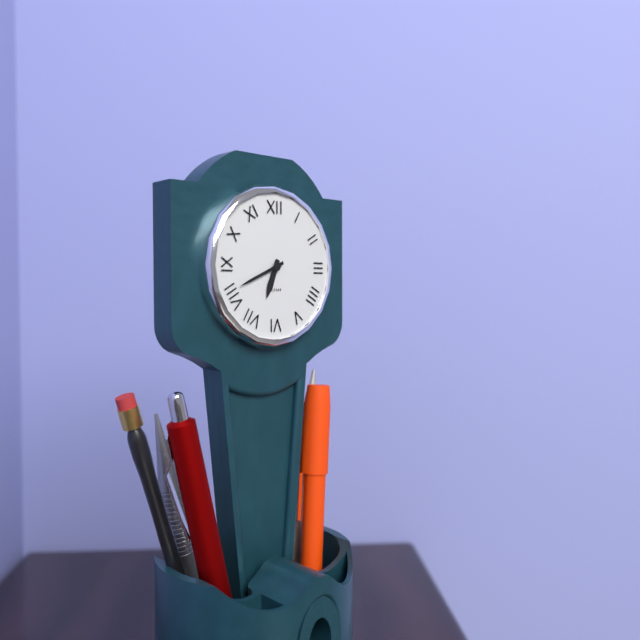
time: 6:41
